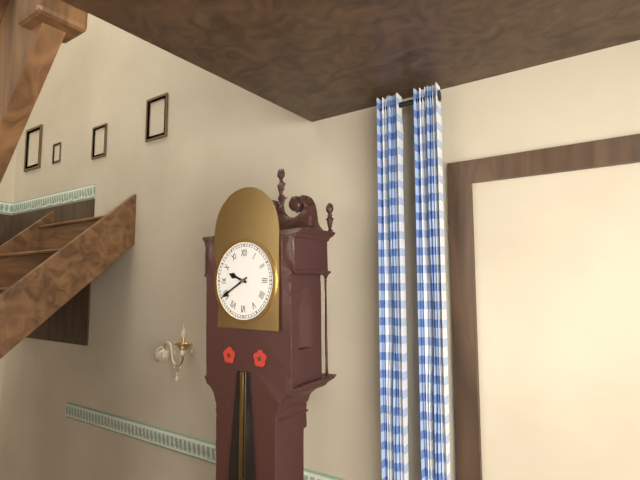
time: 9:40
